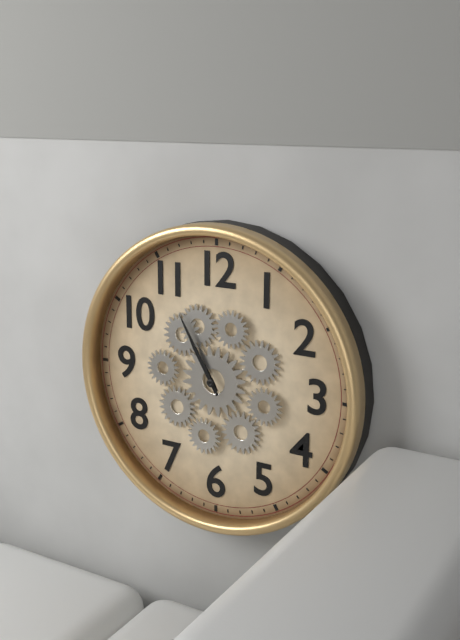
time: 10:55
